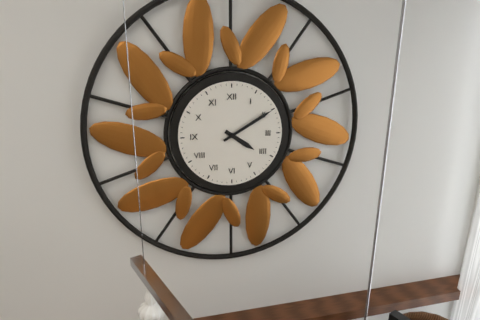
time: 4:10
